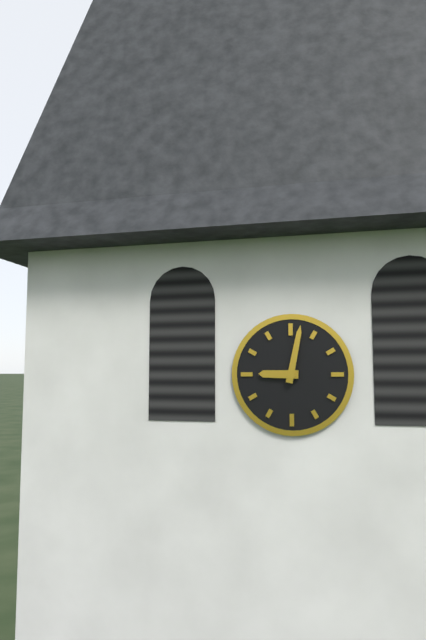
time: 9:02
